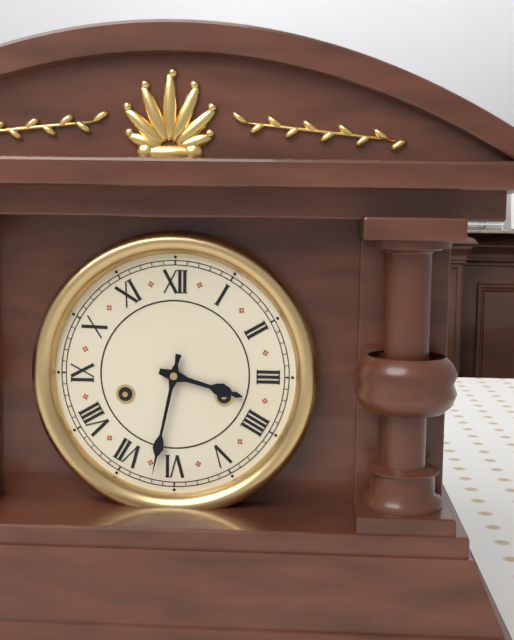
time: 3:32
